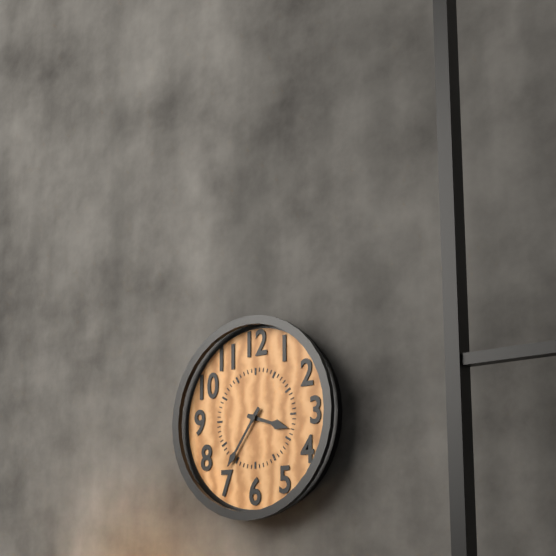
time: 3:36
